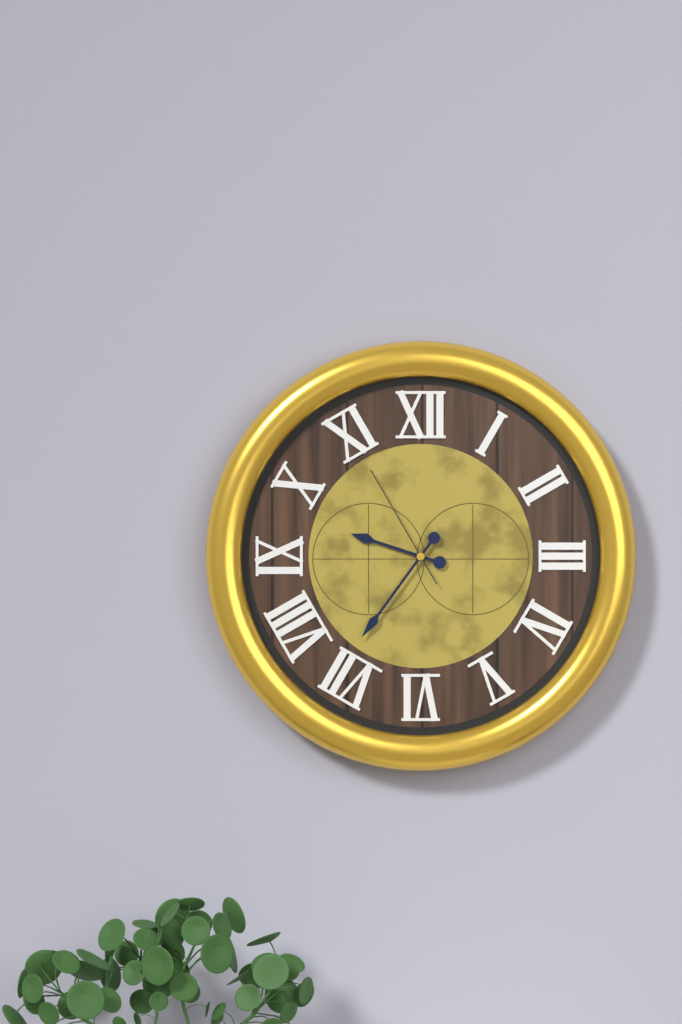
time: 9:36:55
